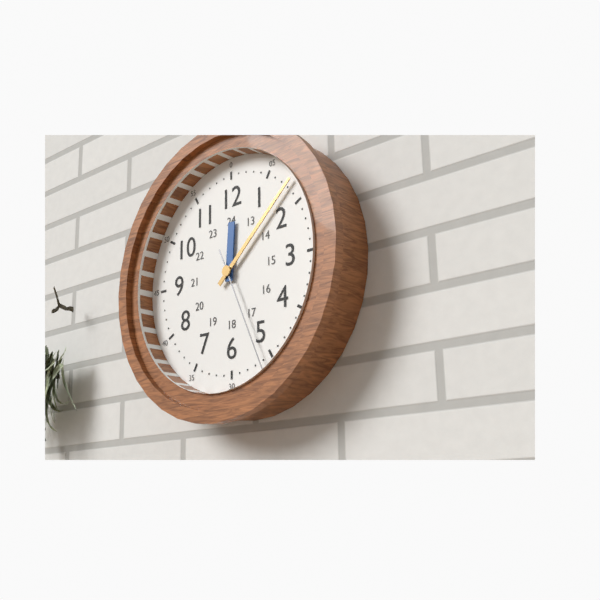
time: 12:08:26
